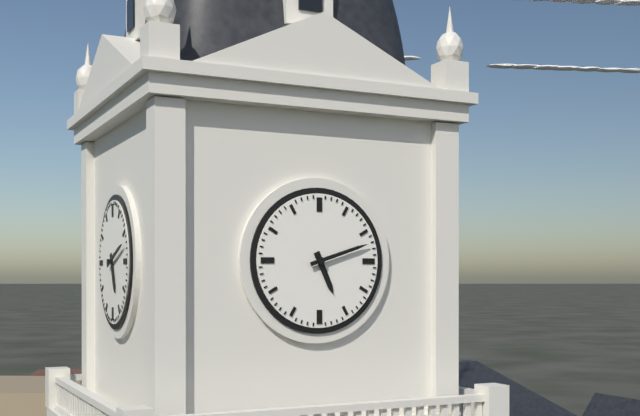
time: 5:12
